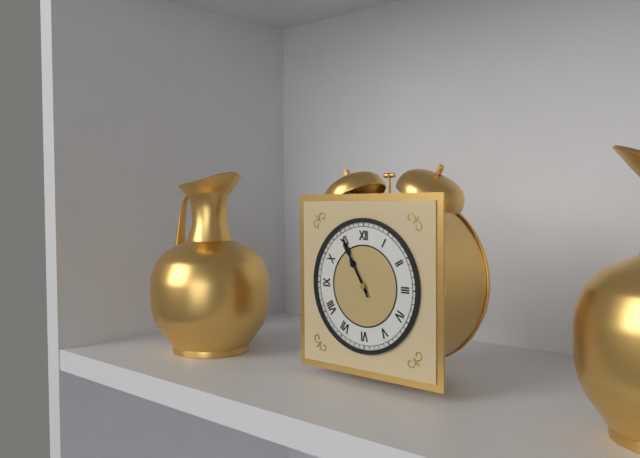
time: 10:55
